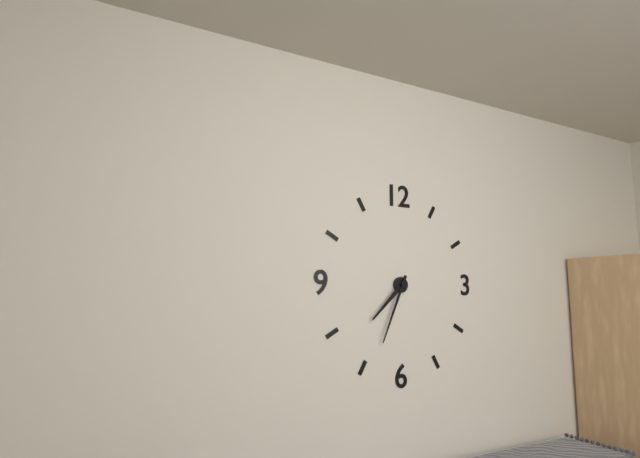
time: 7:34
